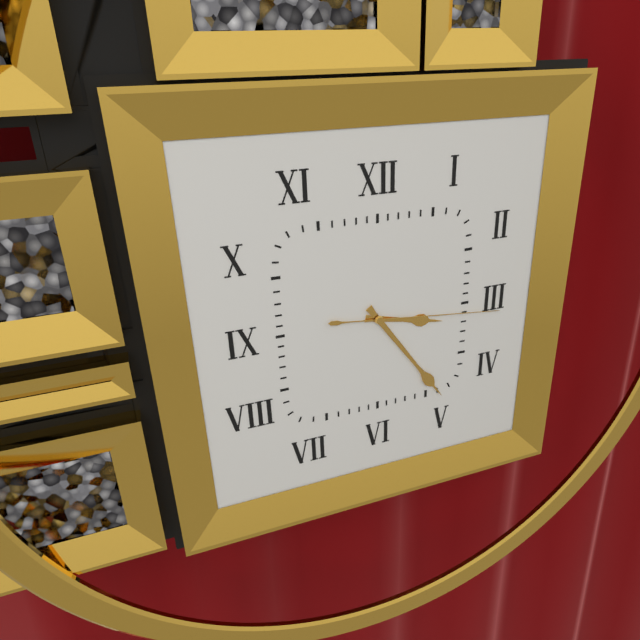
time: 3:24:16
